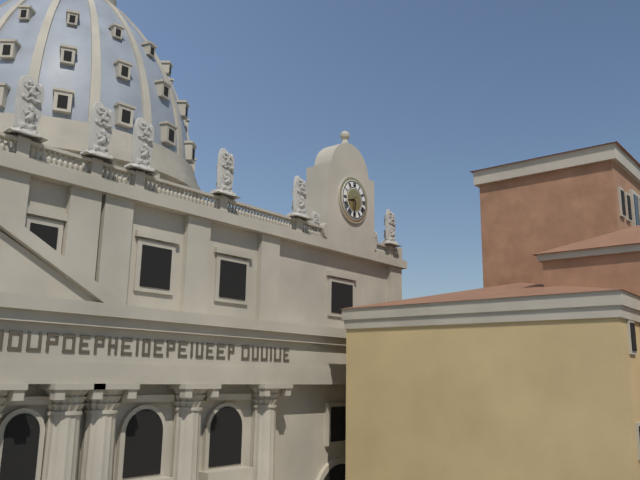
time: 8:31
